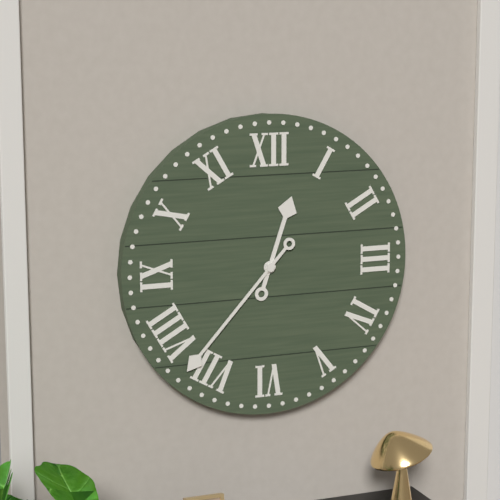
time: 12:37
